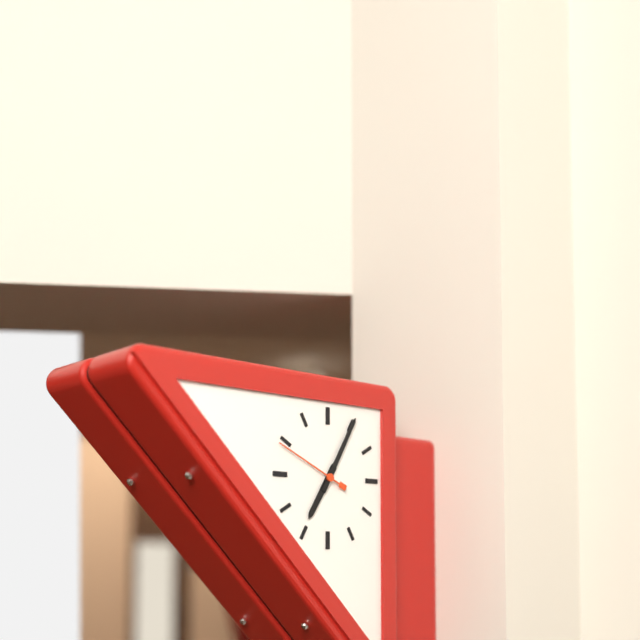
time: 7:05:49
